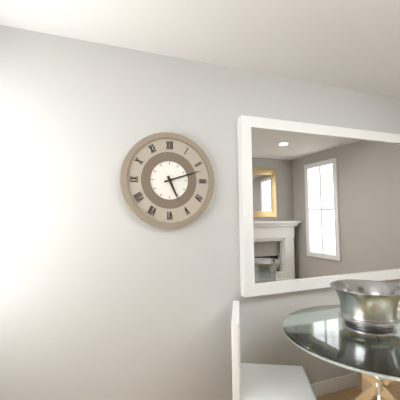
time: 5:12
